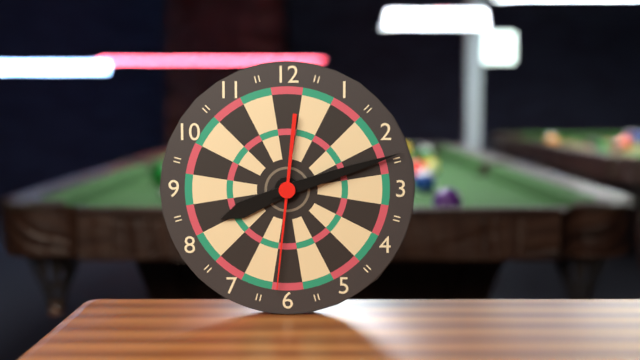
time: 8:12:31
